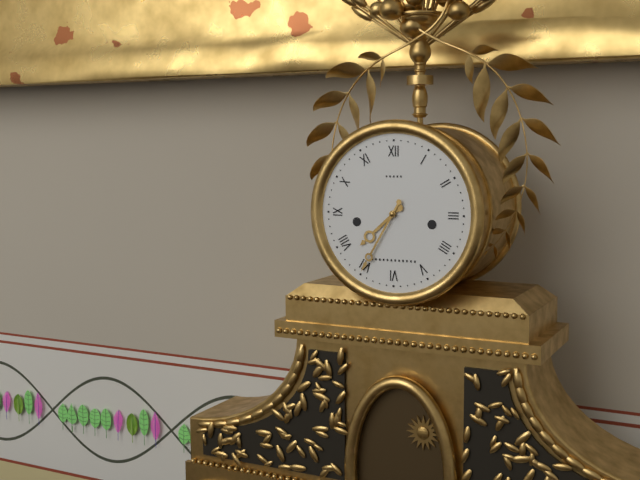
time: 7:35
